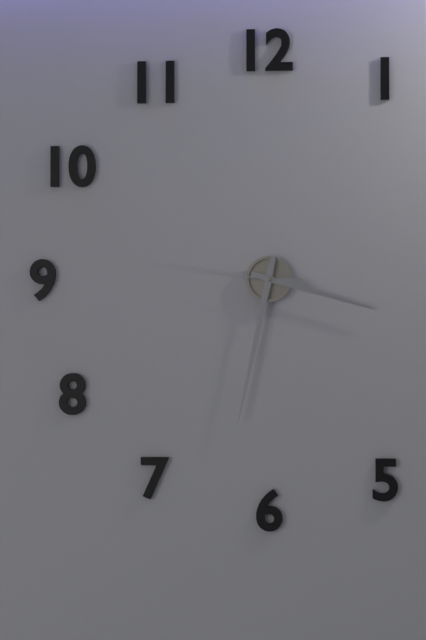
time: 3:32:46
